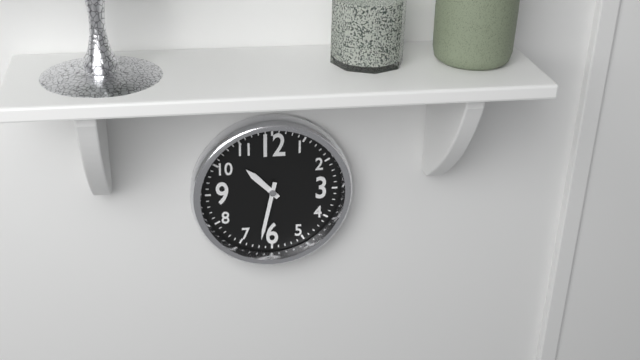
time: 10:32
